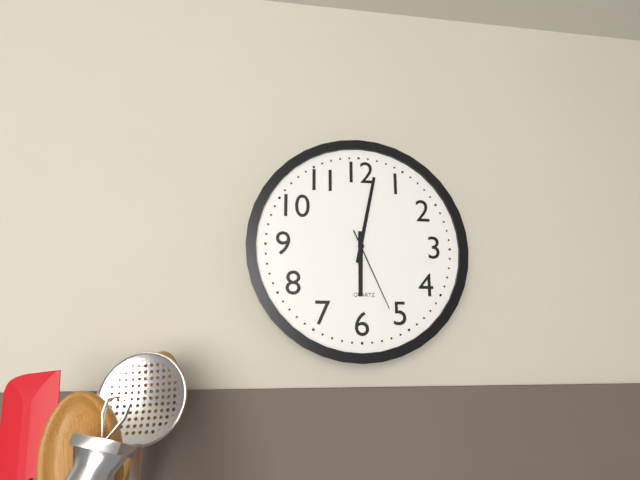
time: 6:02:26
